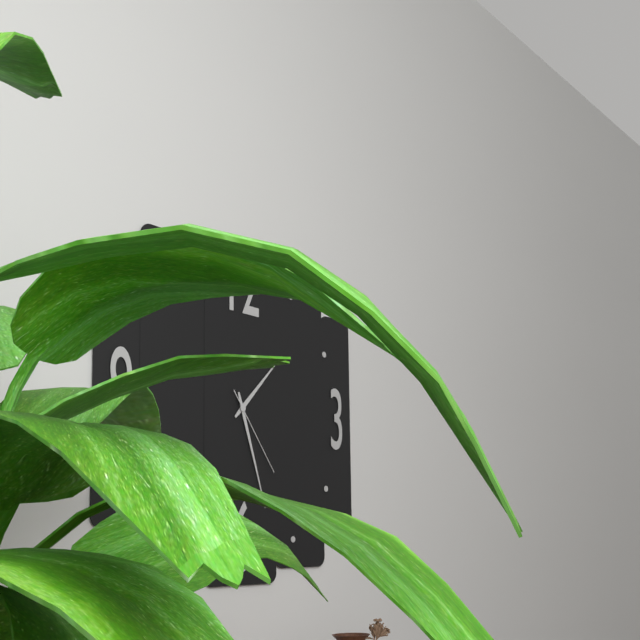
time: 1:27:24
